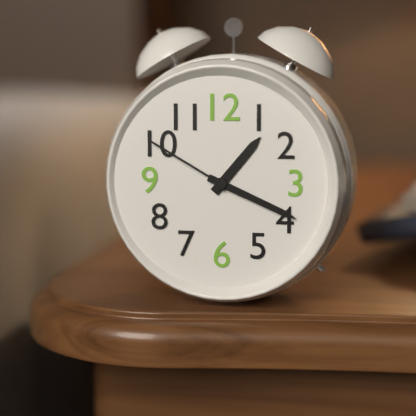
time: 1:19:50
